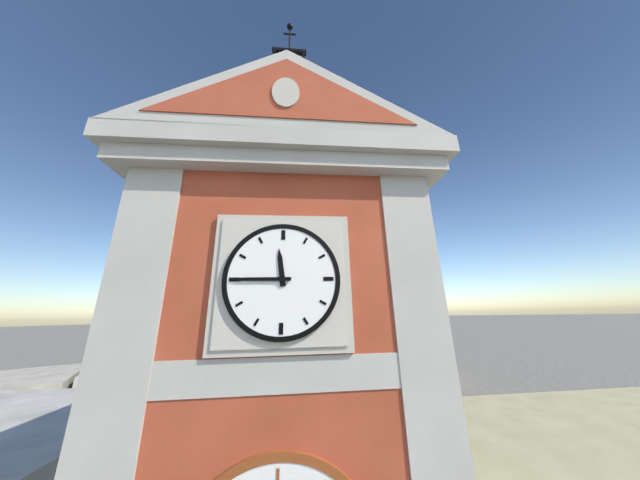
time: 11:45
